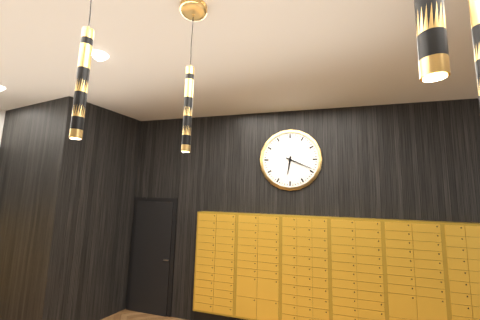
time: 6:19
